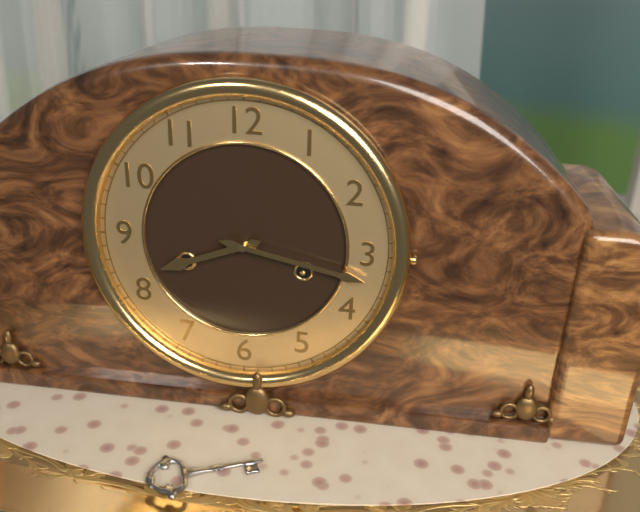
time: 8:17
